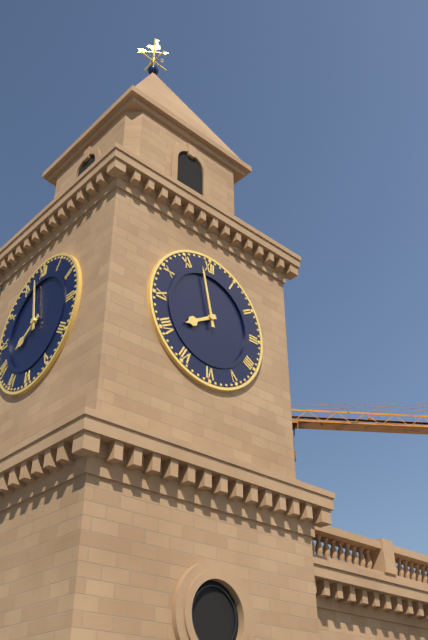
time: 7:58
